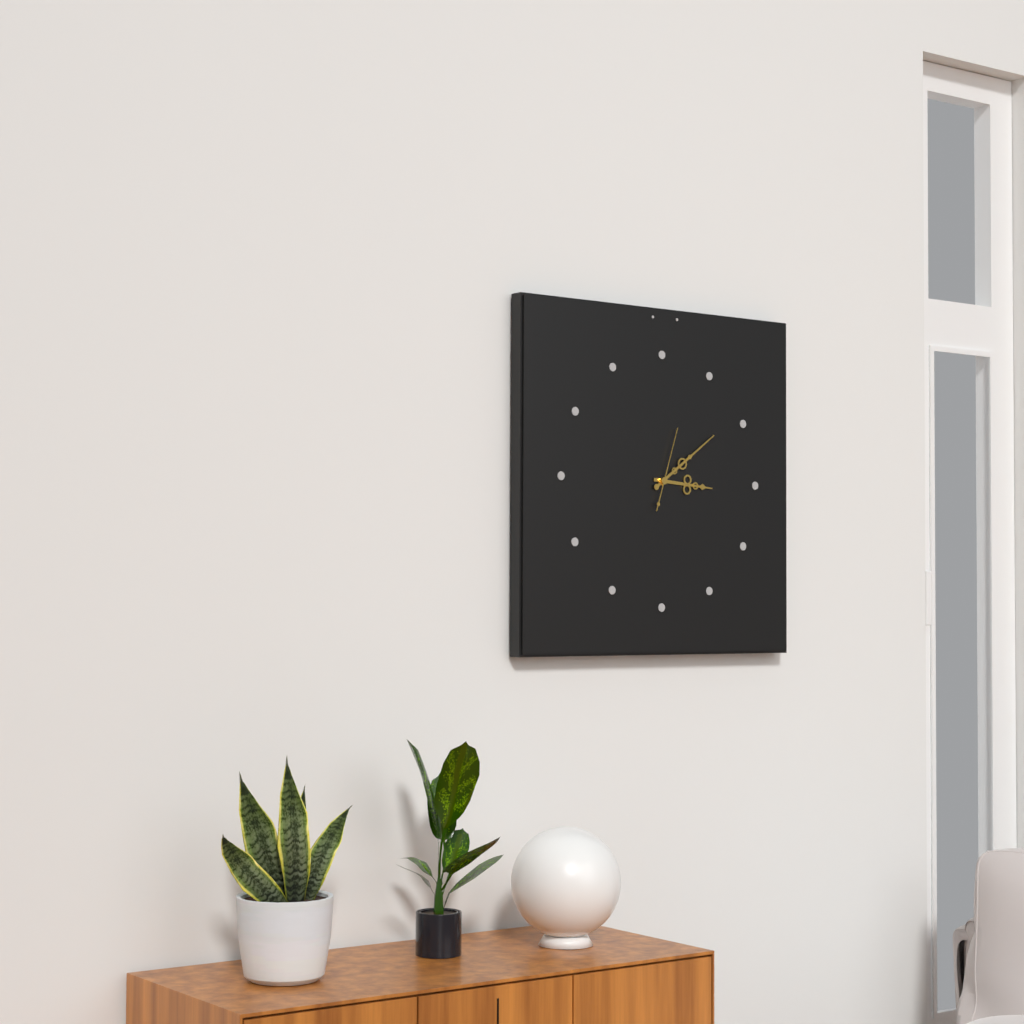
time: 3:09:03
